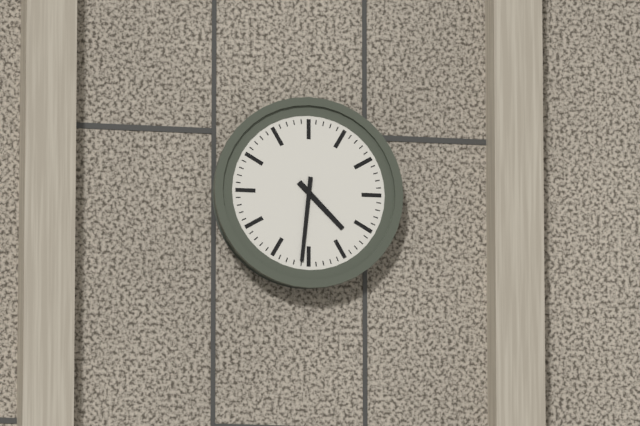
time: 4:31
